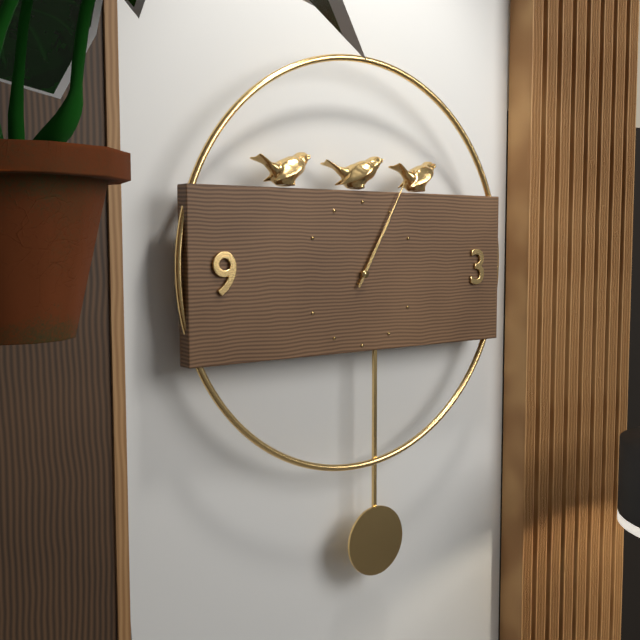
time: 1:05
